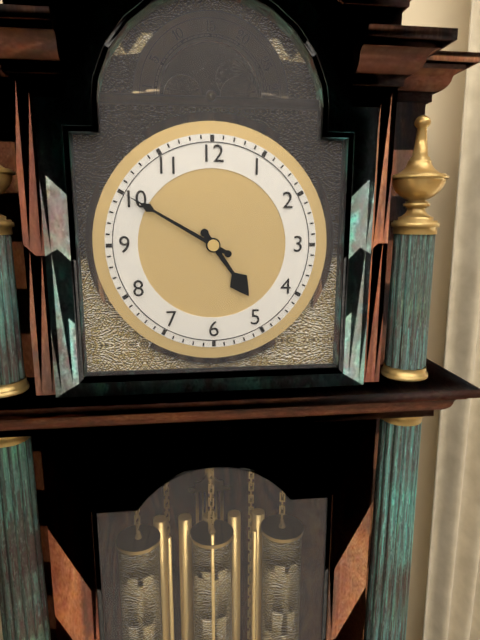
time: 4:50
